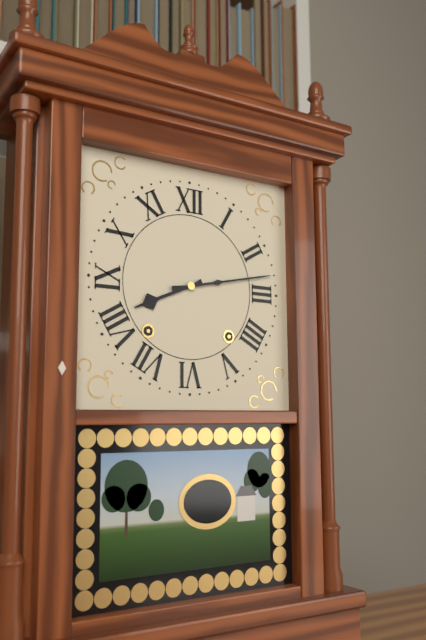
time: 8:13
